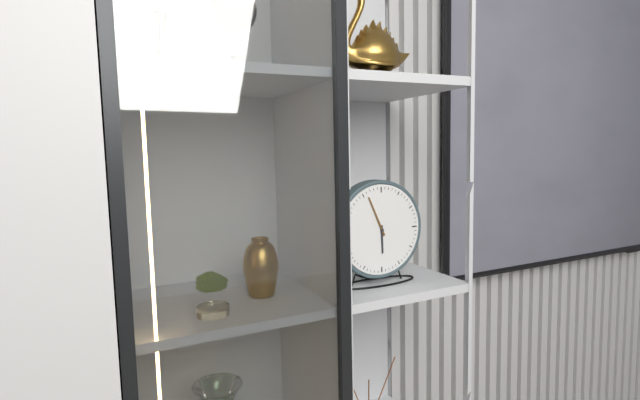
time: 5:56
